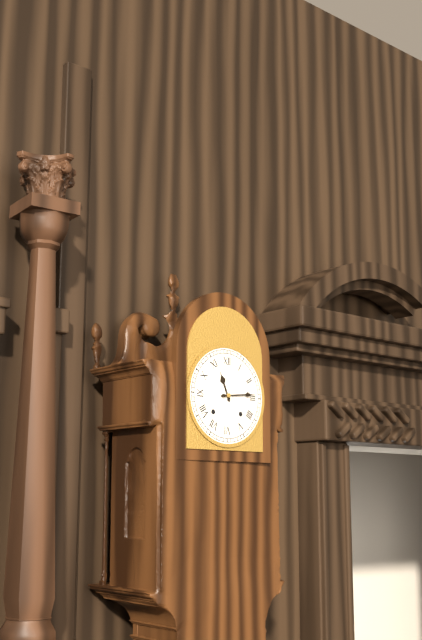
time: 11:14
